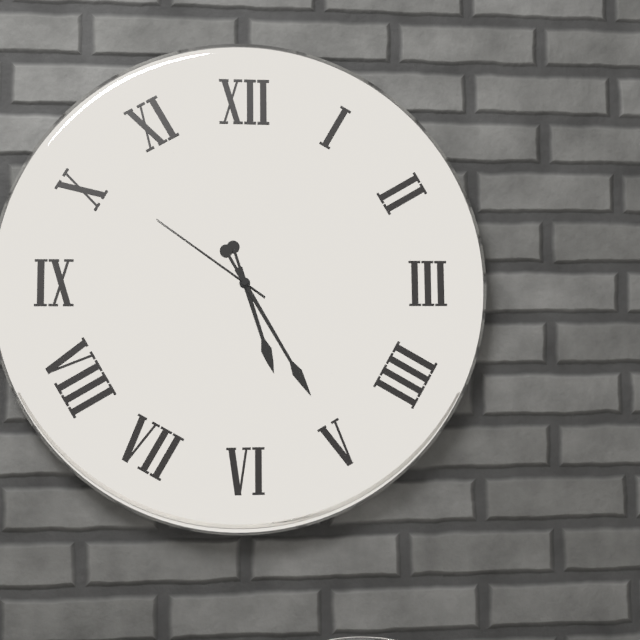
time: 5:25:51
